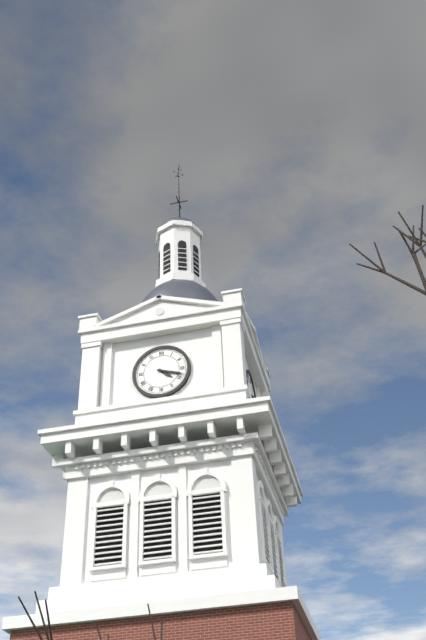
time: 4:18
